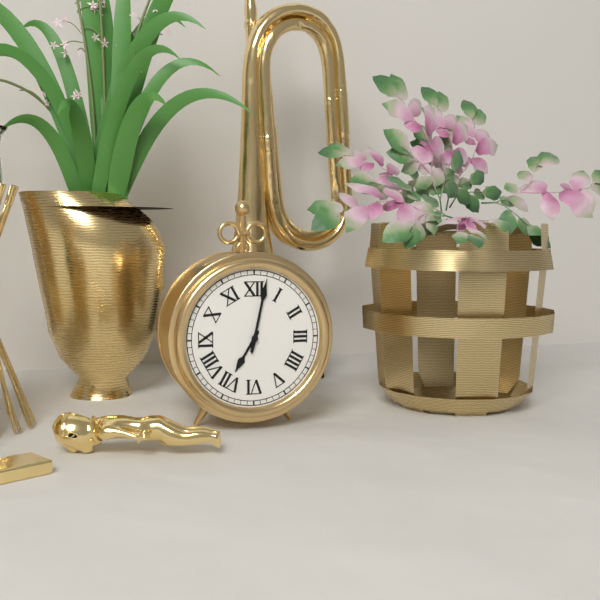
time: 7:02
